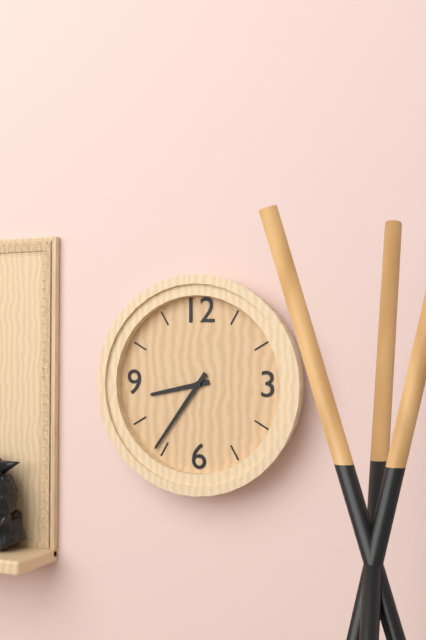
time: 8:36
